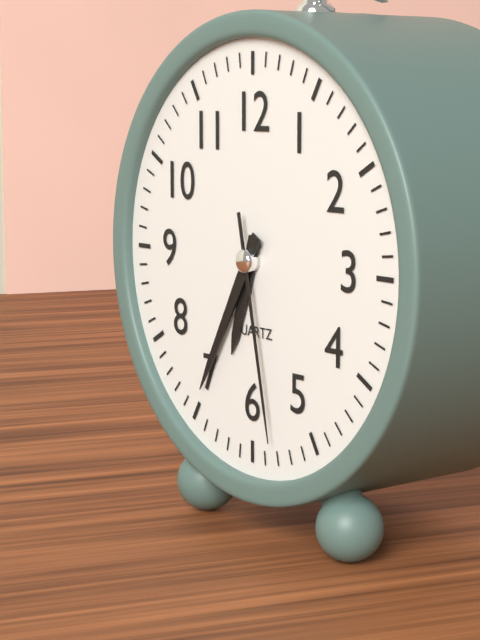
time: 6:35:28
